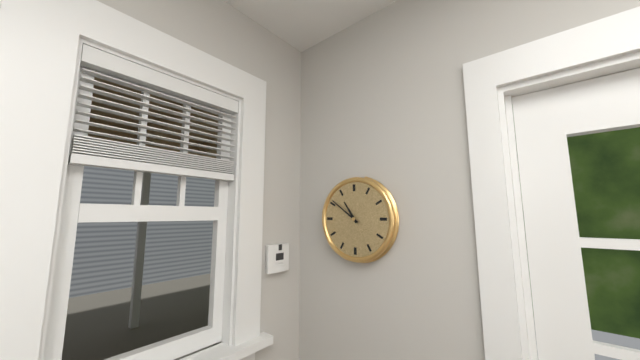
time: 10:51
